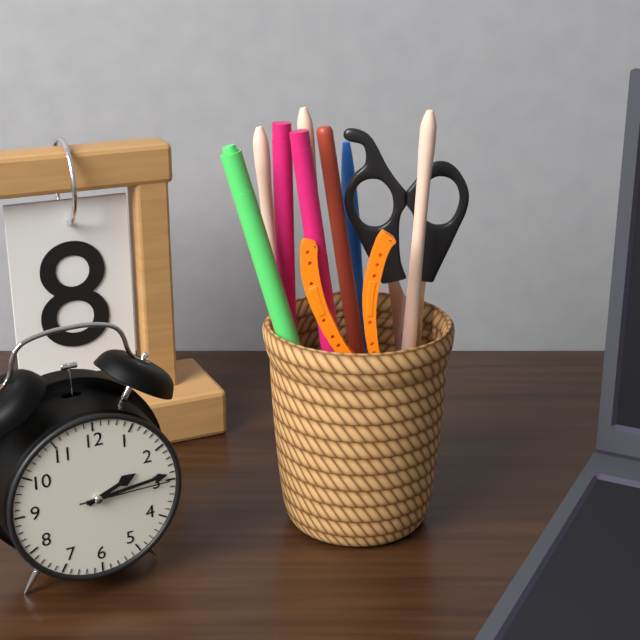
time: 2:14:15
